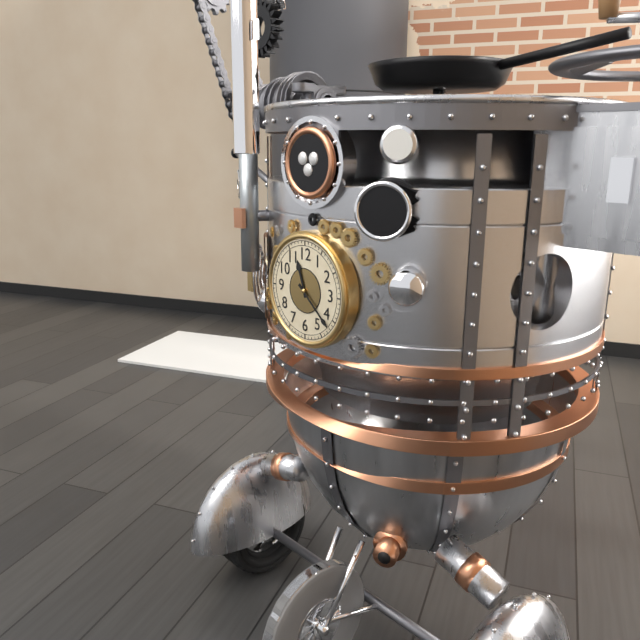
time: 11:22
